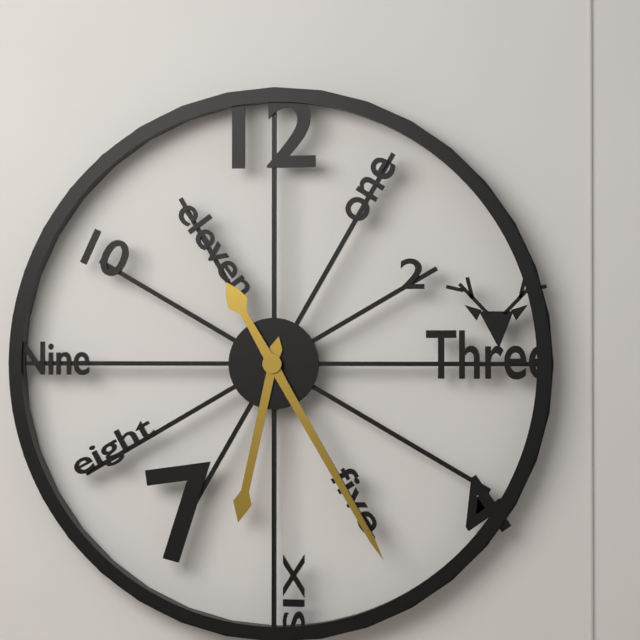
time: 6:25
